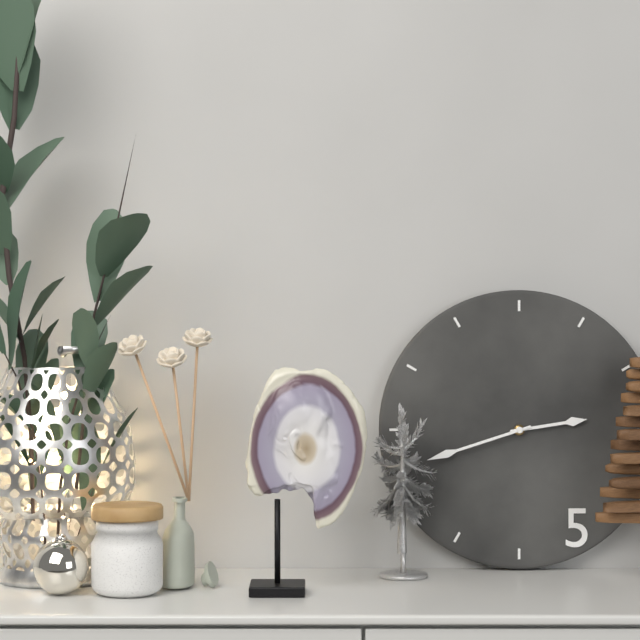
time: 2:42
